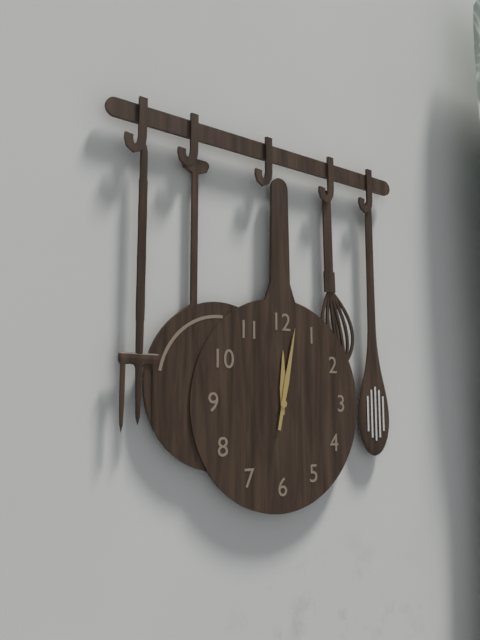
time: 12:02
